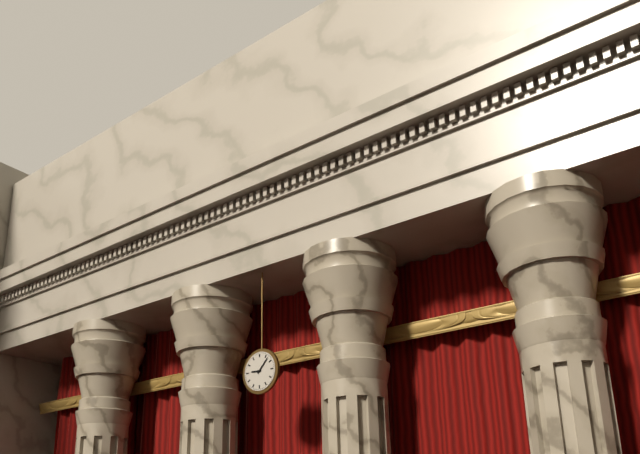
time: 9:07
